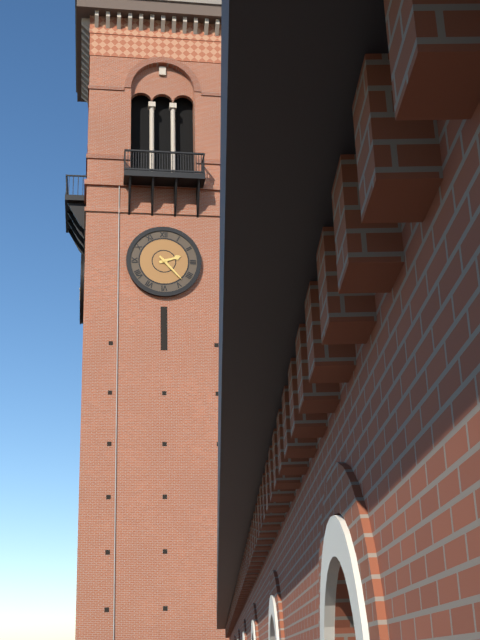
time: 2:23
